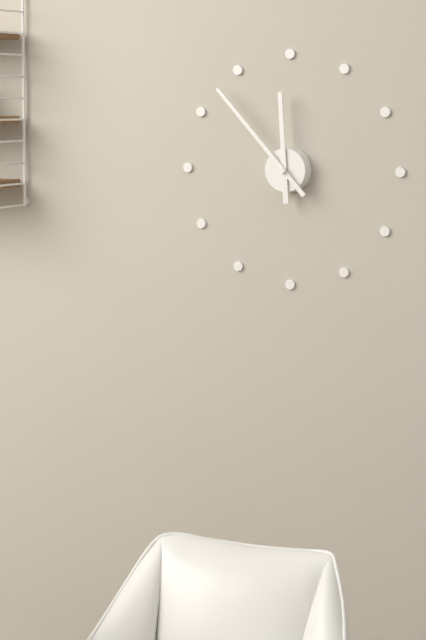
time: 11:53
